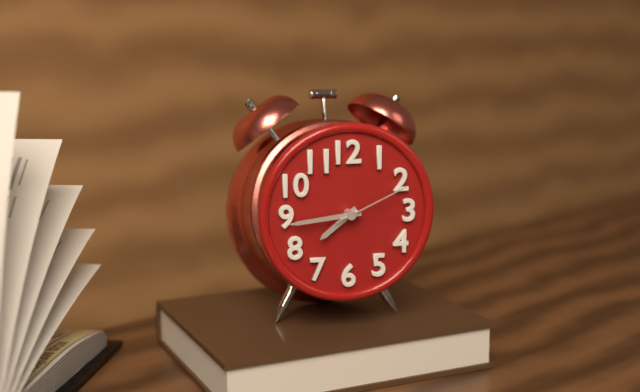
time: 7:44:11
